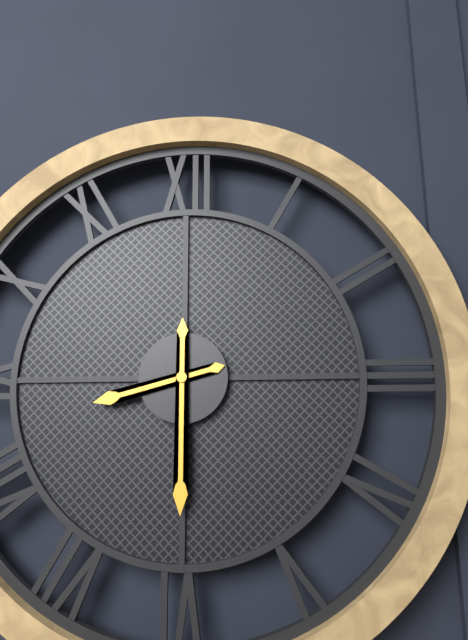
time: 8:30
